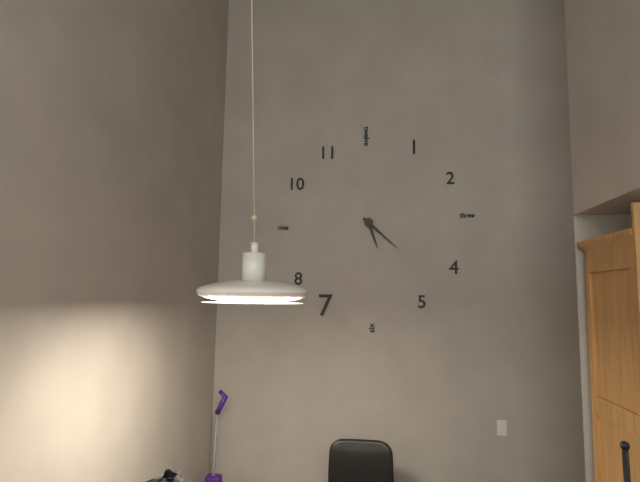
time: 5:22
